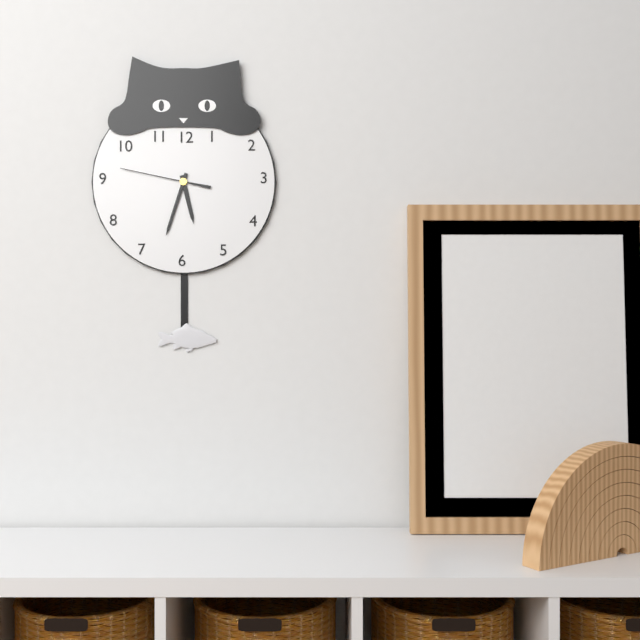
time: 5:33:47
